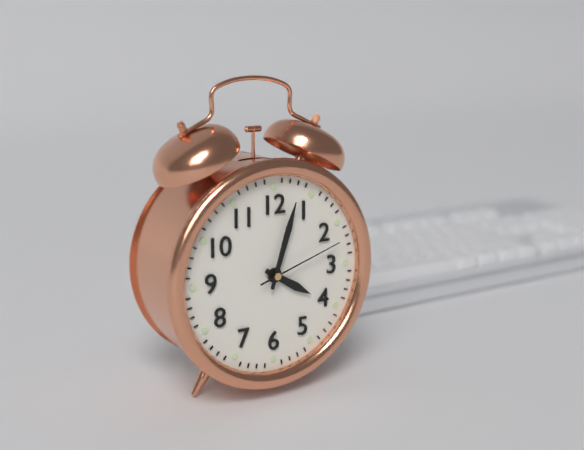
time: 4:03:12
